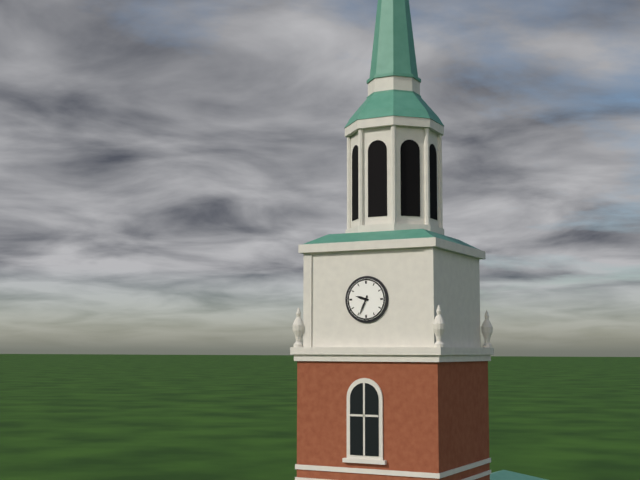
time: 9:34
